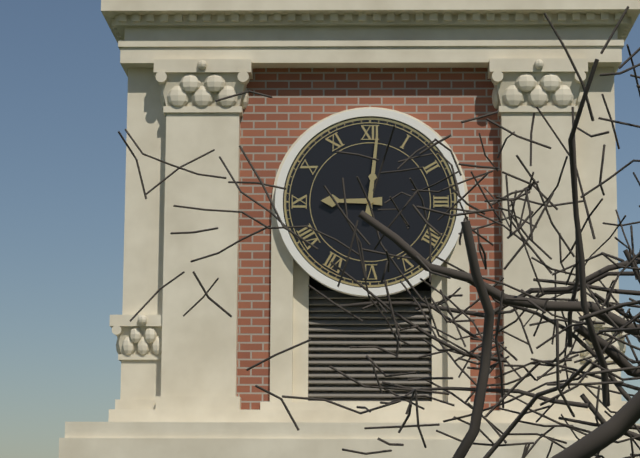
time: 9:01
